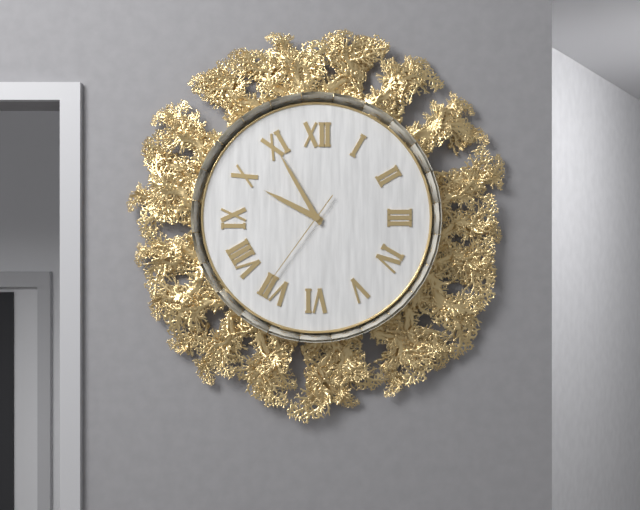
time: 9:55:36
